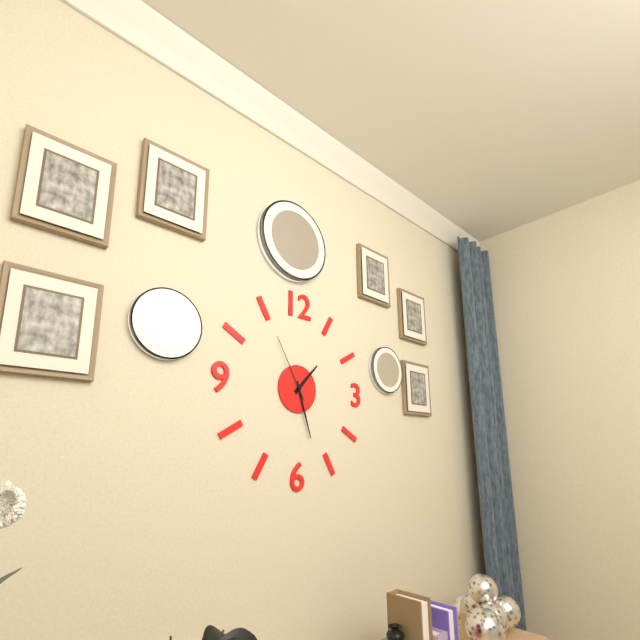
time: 1:27:55
